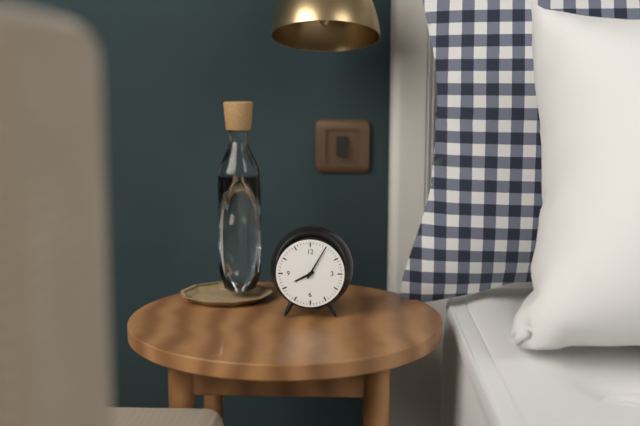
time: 8:05
